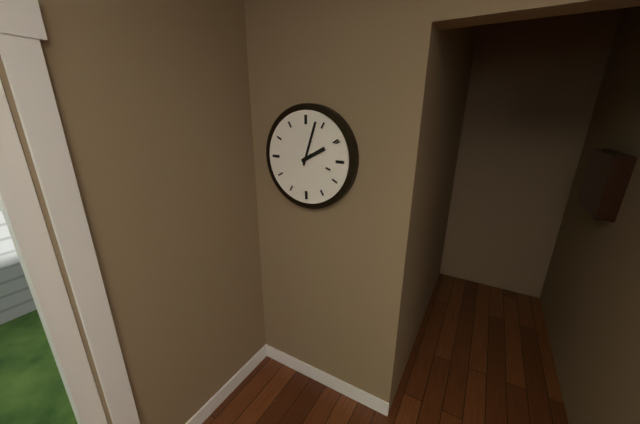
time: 2:03
